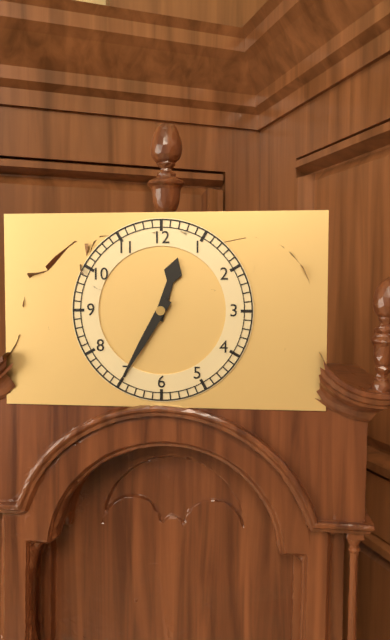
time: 12:35
